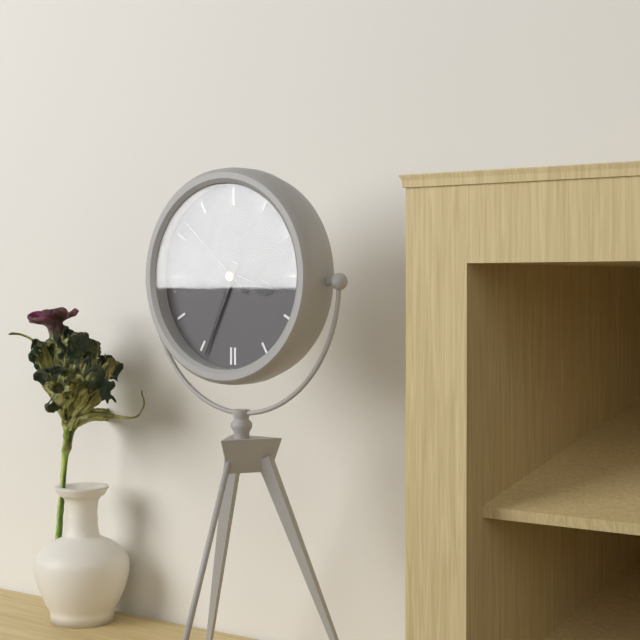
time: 3:34:52
